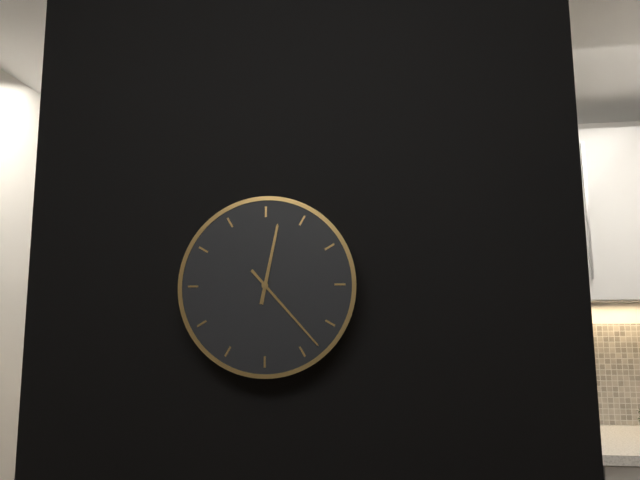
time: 12:23
